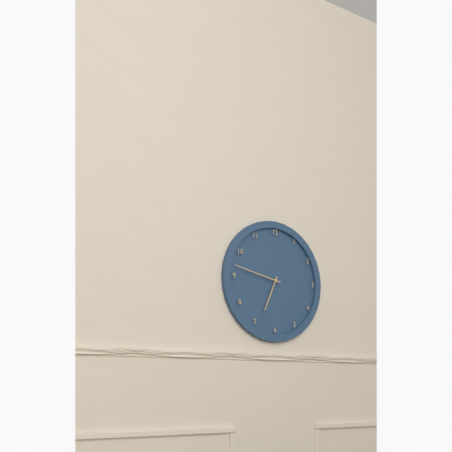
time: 6:47
